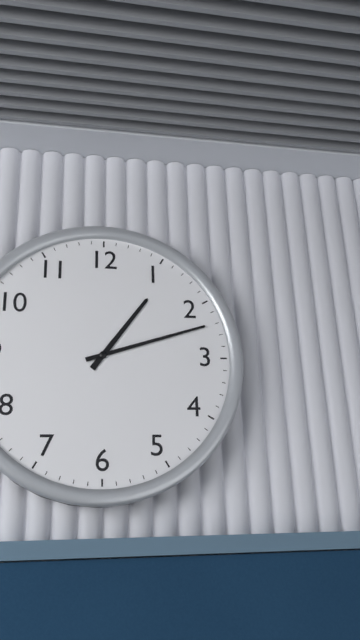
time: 1:12
